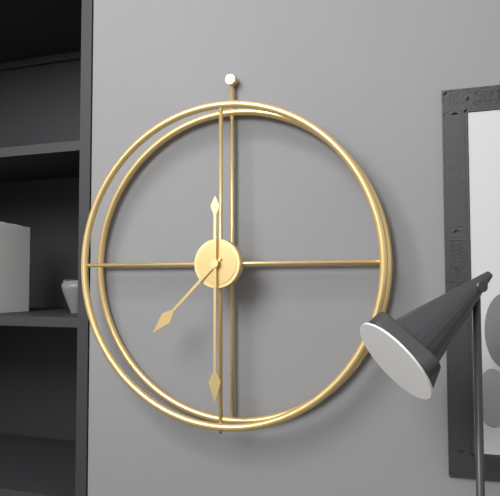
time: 7:30
